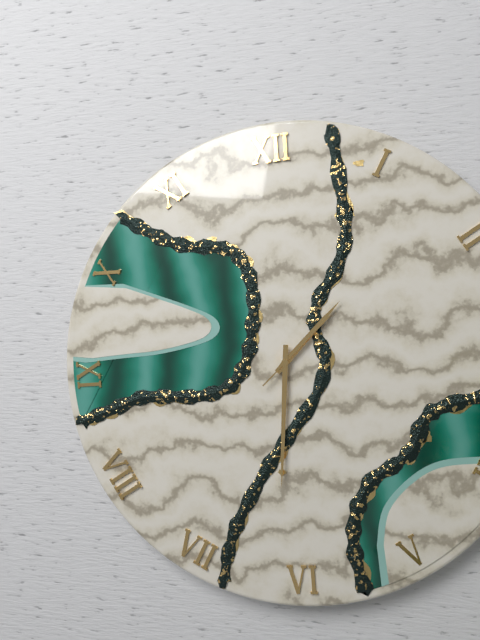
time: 1:31:08
